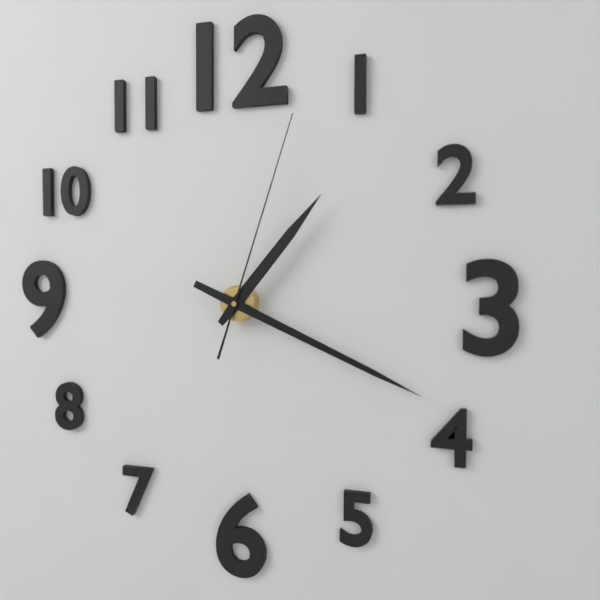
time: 1:19:03
